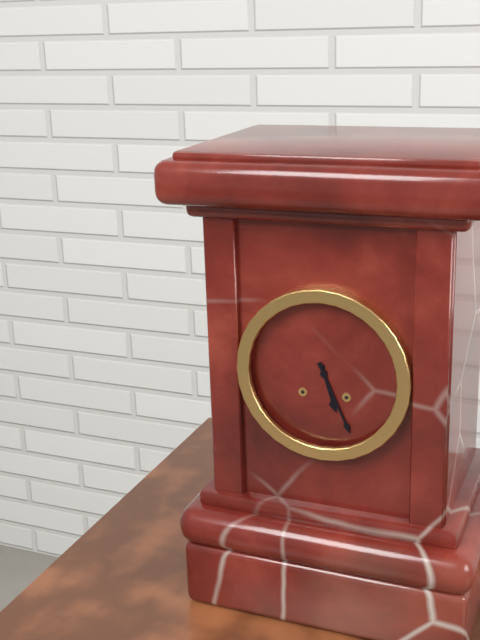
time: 5:26
